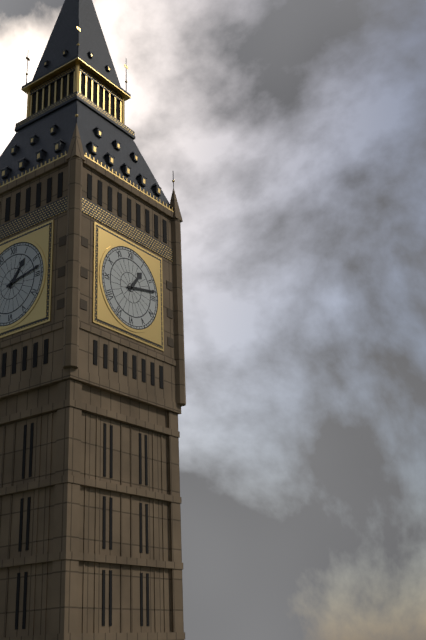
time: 1:13
